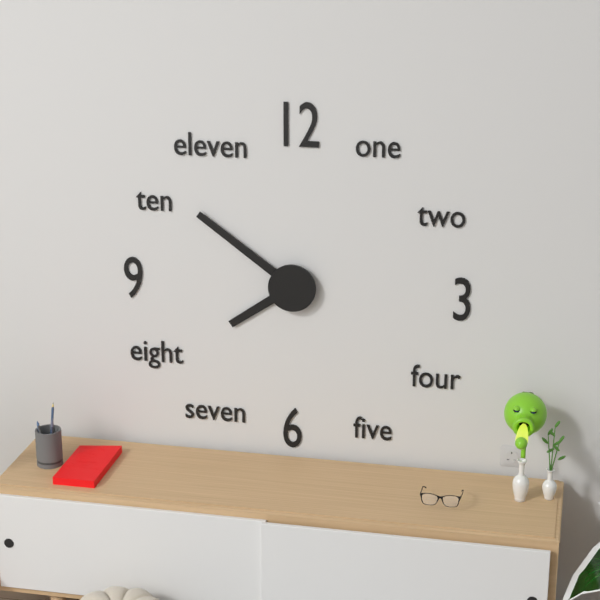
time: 7:51
